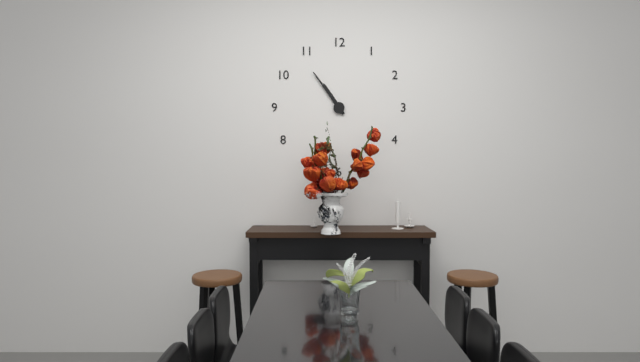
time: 10:54
